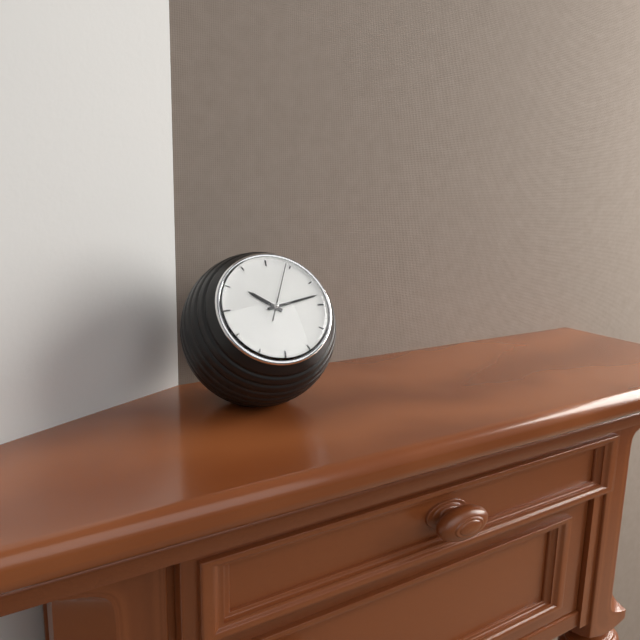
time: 10:13:04
